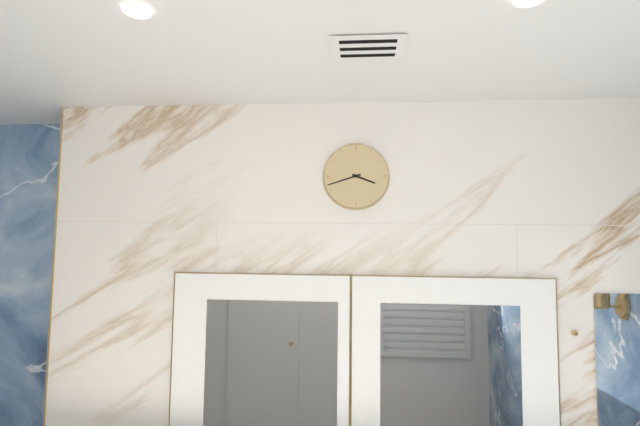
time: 3:42
